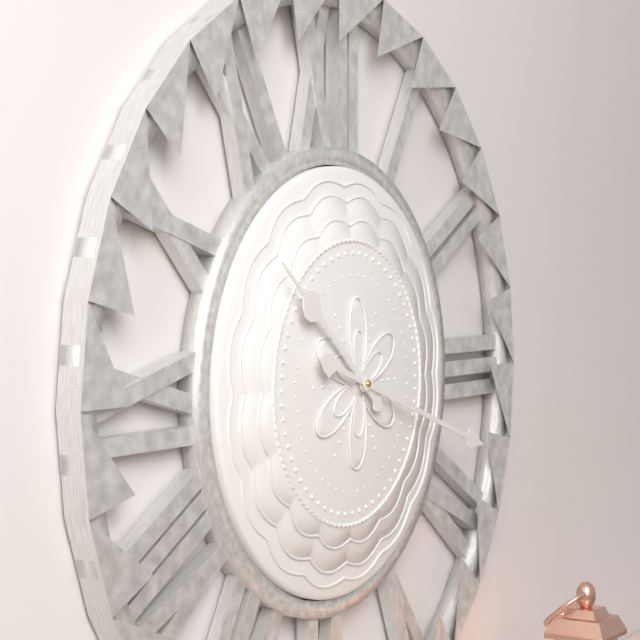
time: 10:18
